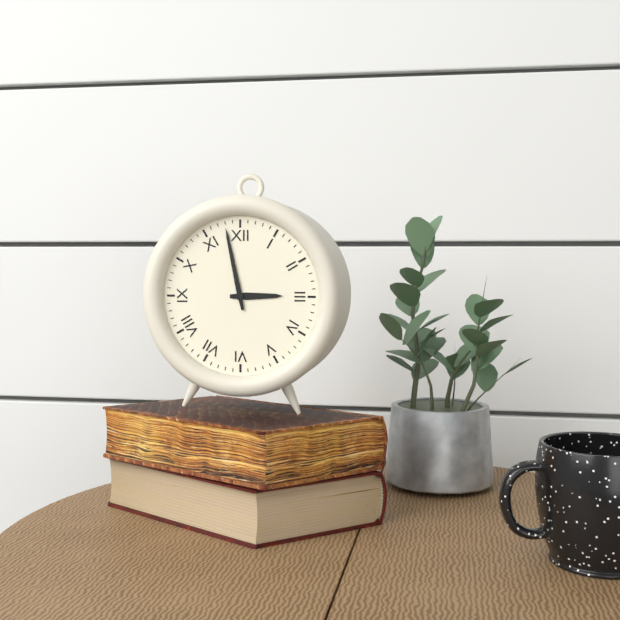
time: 2:58
